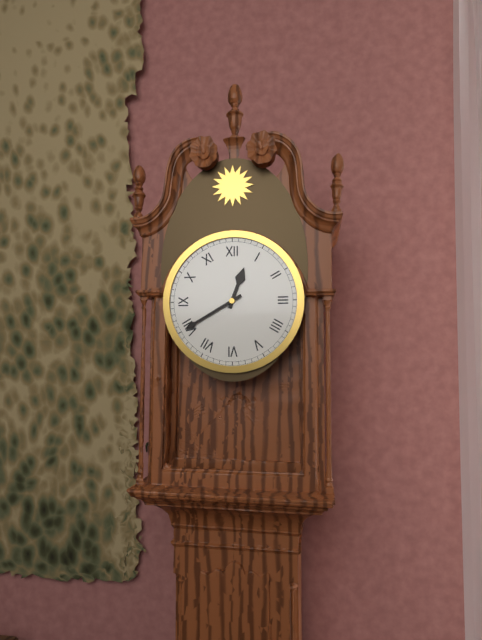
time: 12:40
